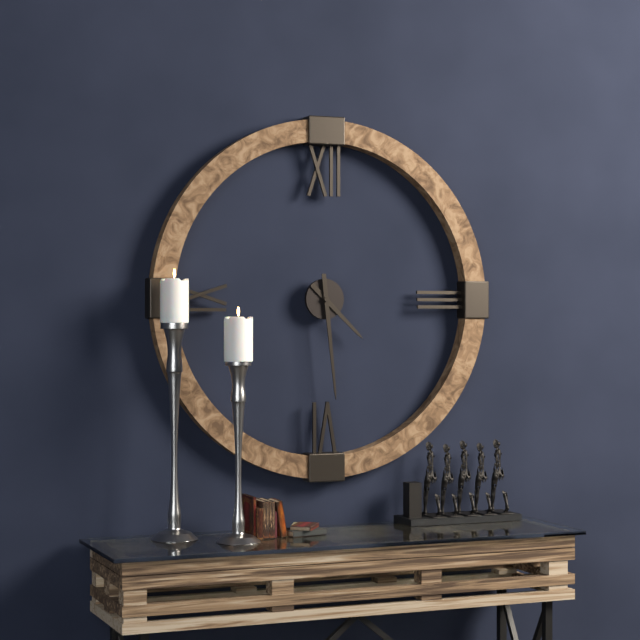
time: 4:29
